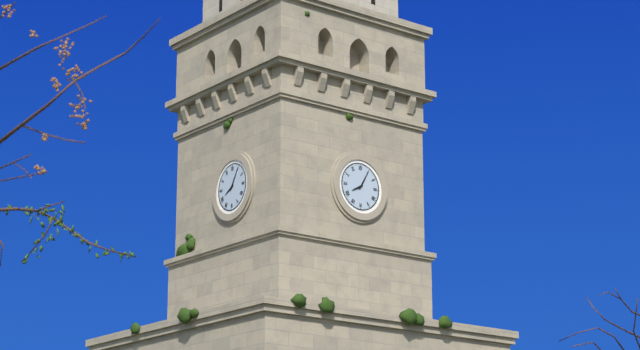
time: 8:05
